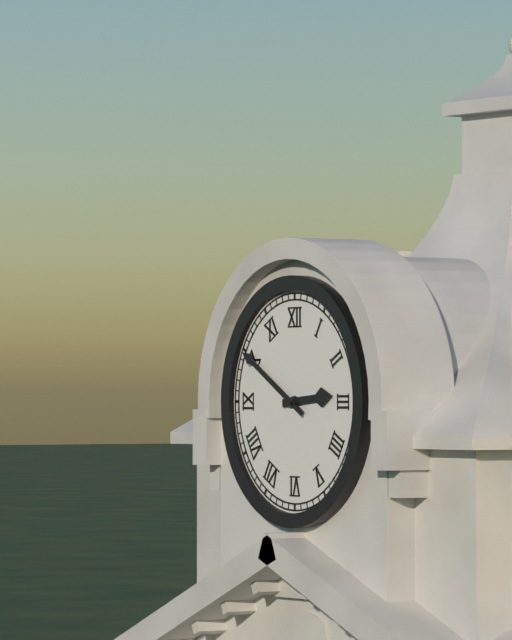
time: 2:50
